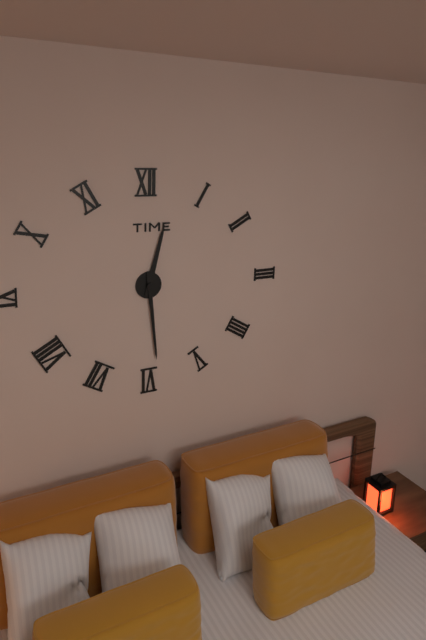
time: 12:29
